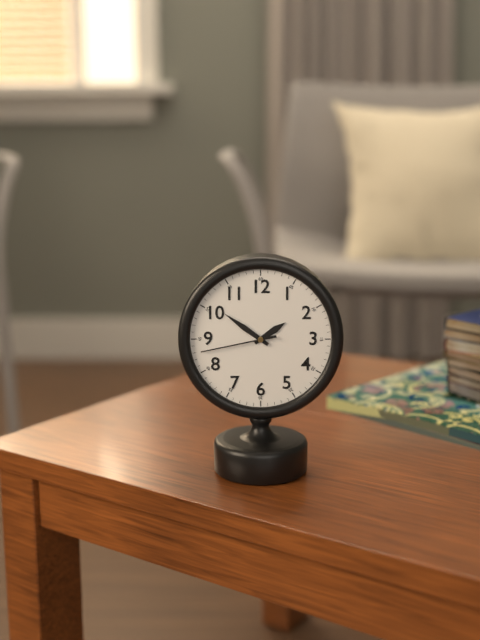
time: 1:51:43
